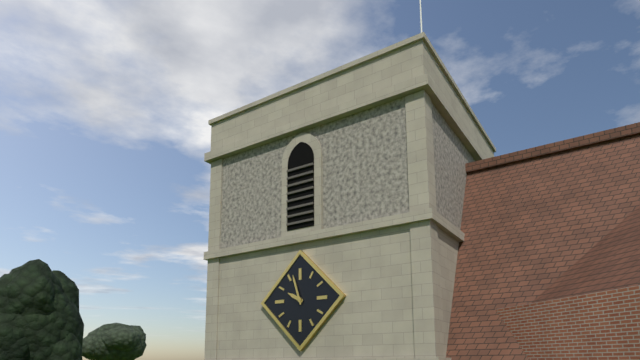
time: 9:57
